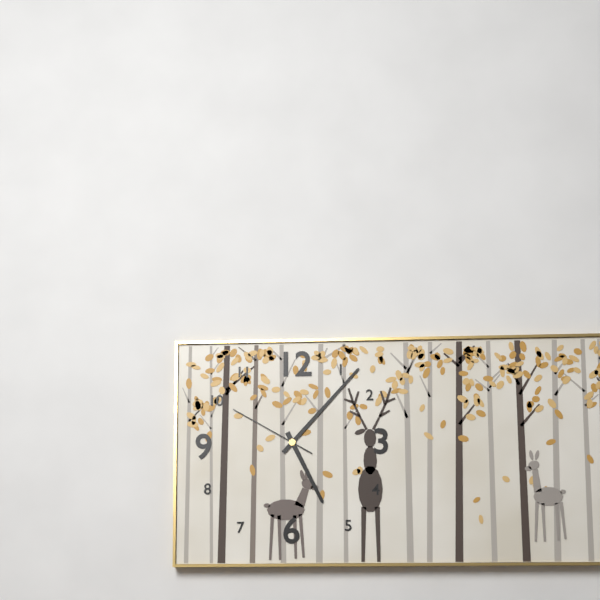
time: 5:07:50
